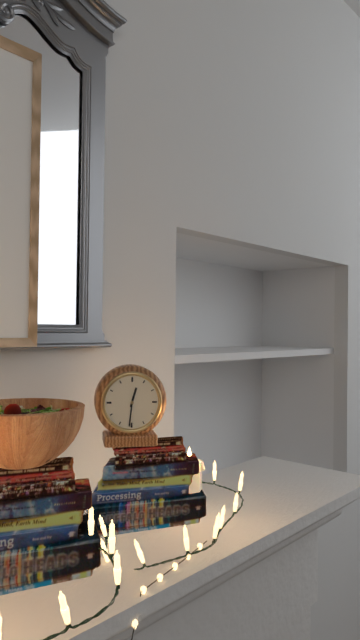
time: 12:31
